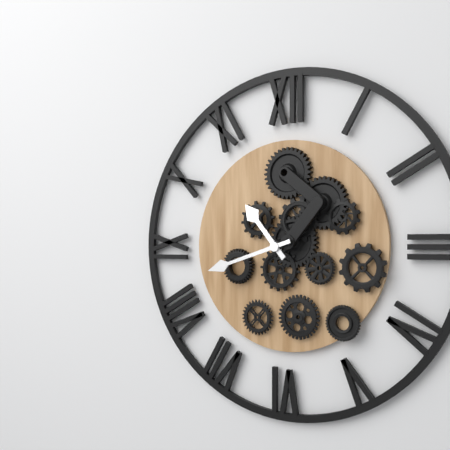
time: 10:42
